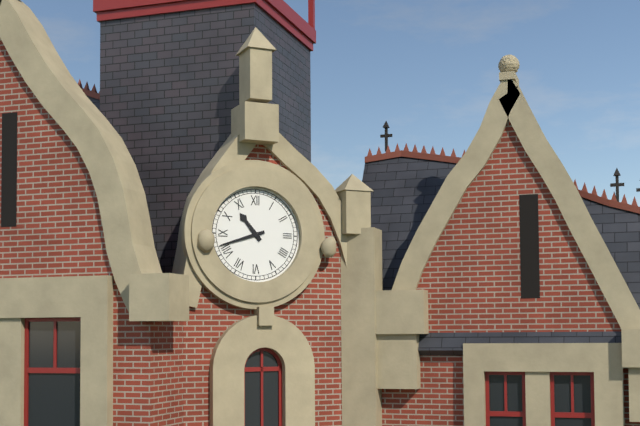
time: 10:42
